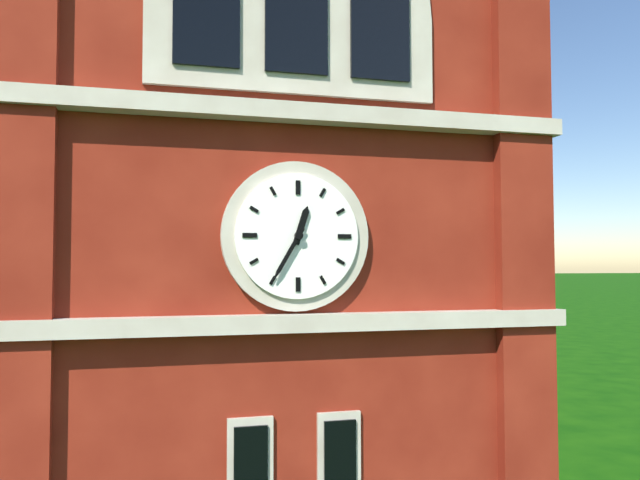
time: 12:35
